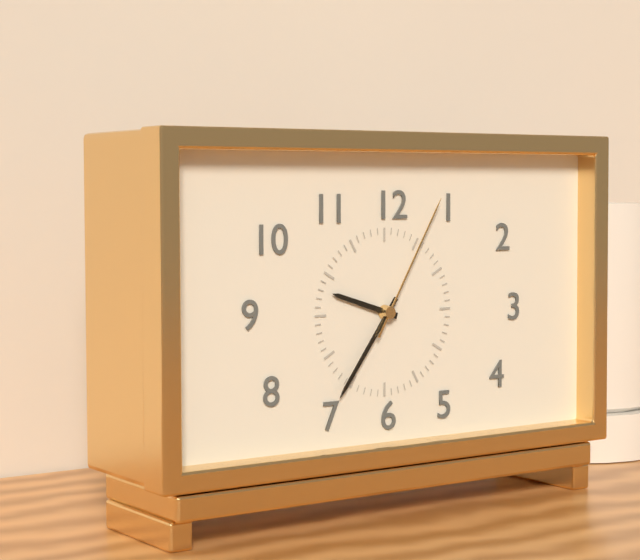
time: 9:36:05
